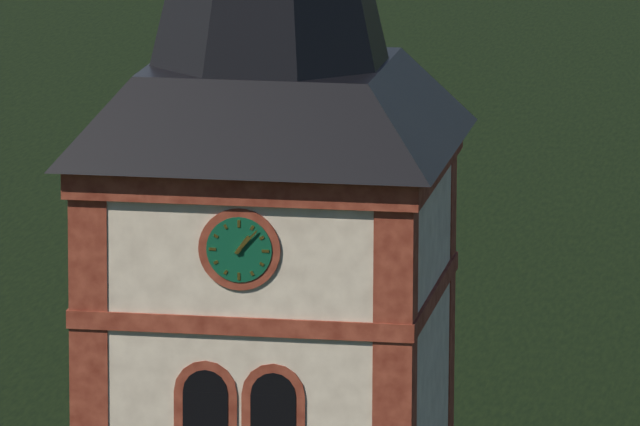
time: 1:07
